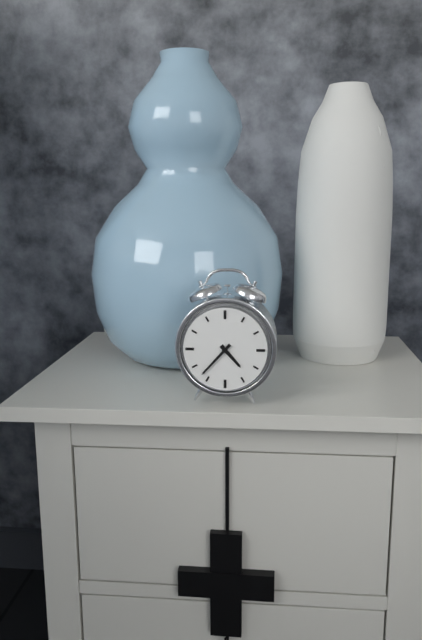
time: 4:37
